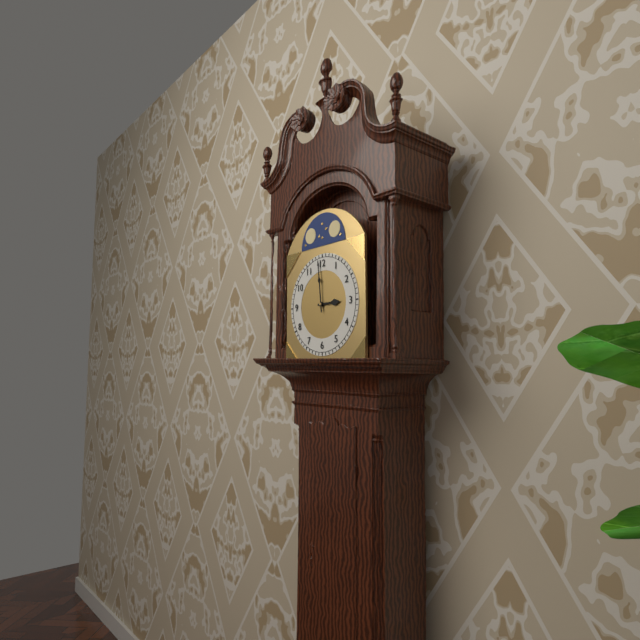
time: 2:59
